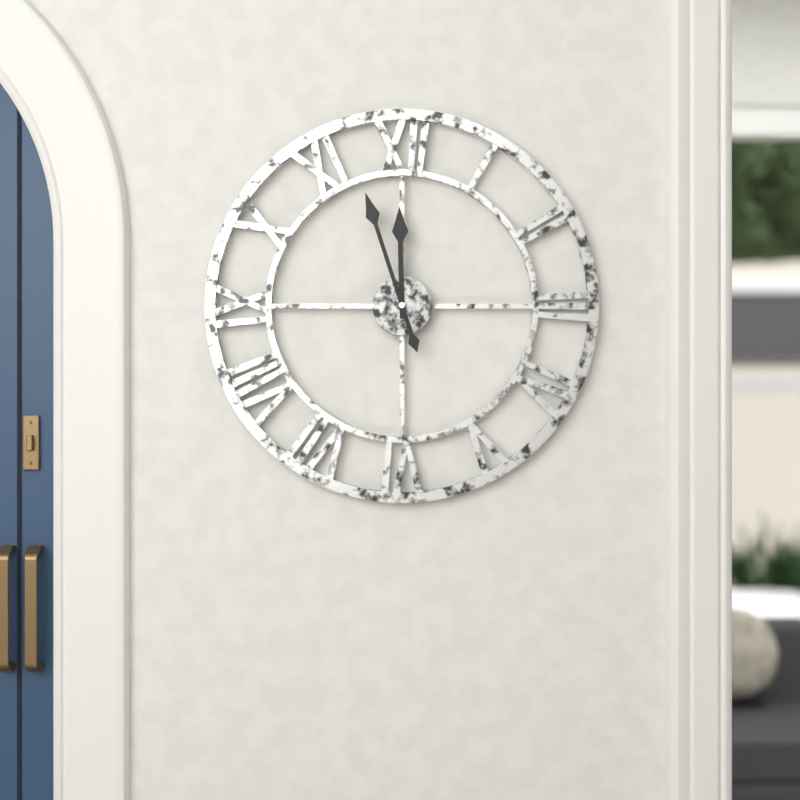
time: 11:57
